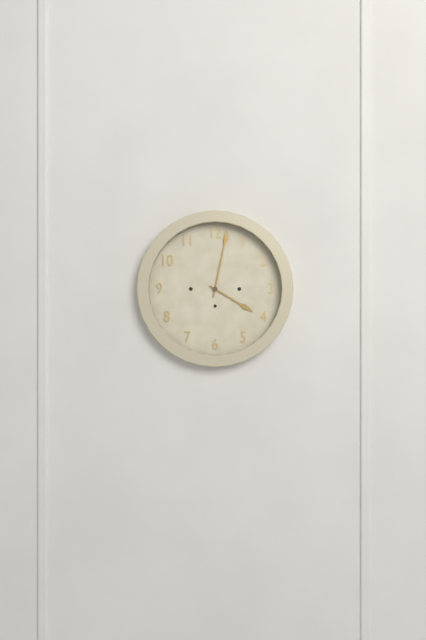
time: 4:02
